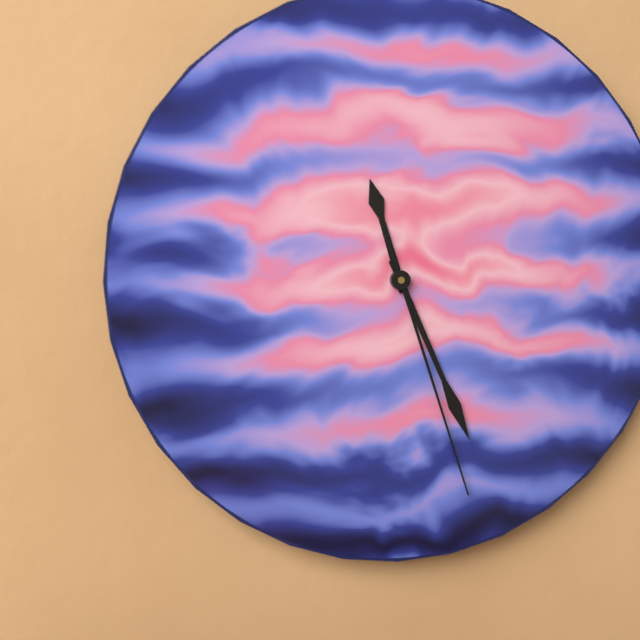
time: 11:26:27
